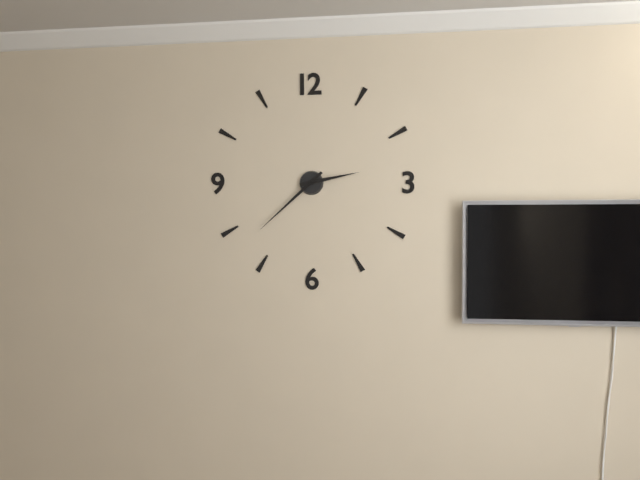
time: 2:38
